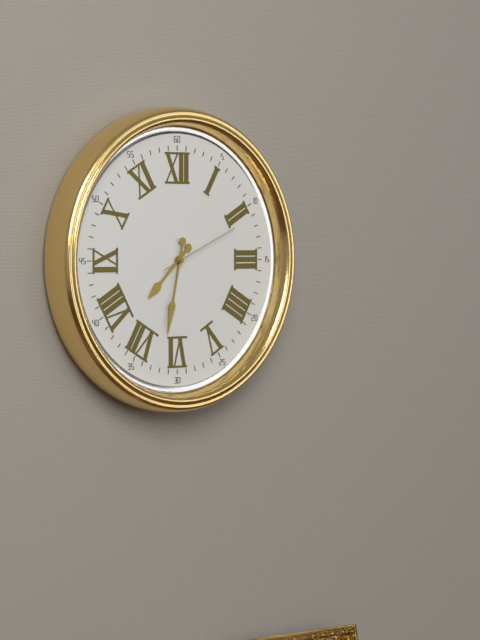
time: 7:32:11
